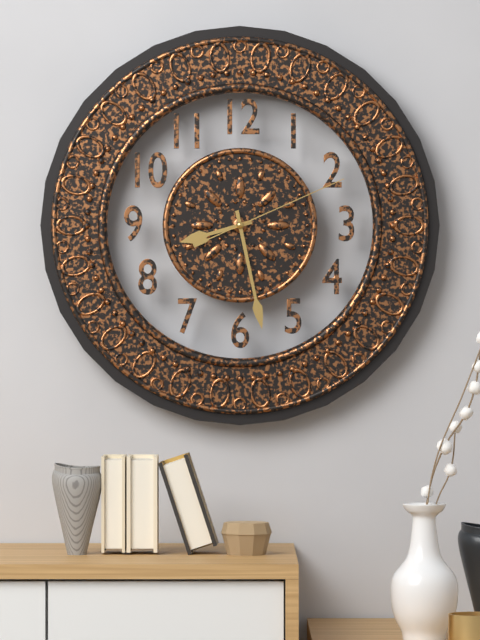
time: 8:28:11
